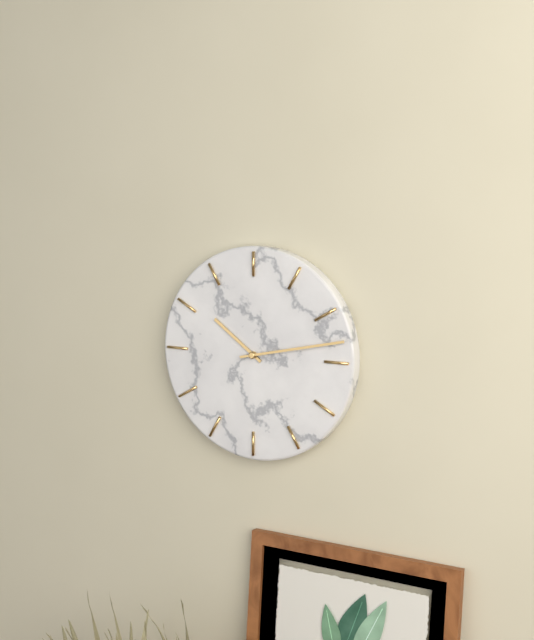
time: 10:13
